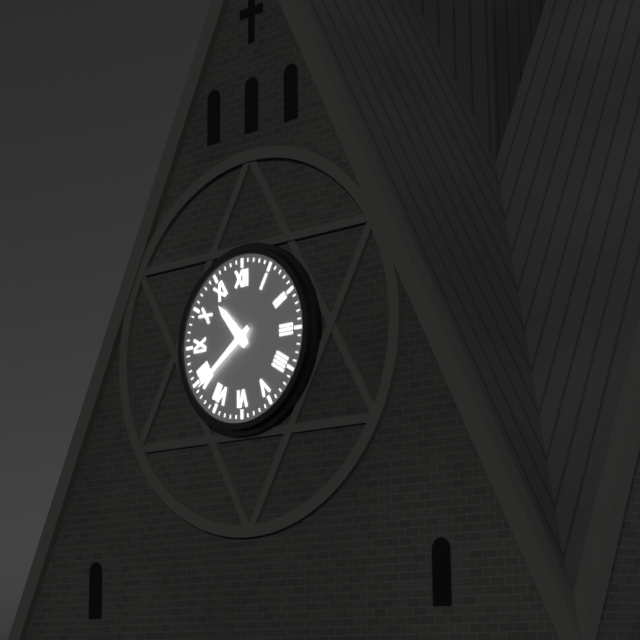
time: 10:39
